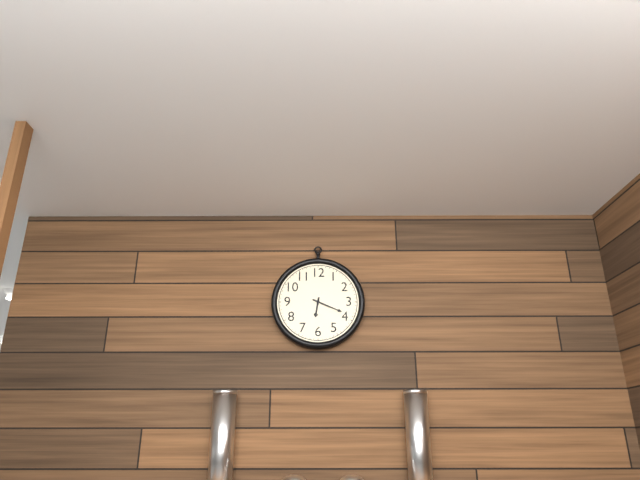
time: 6:19
